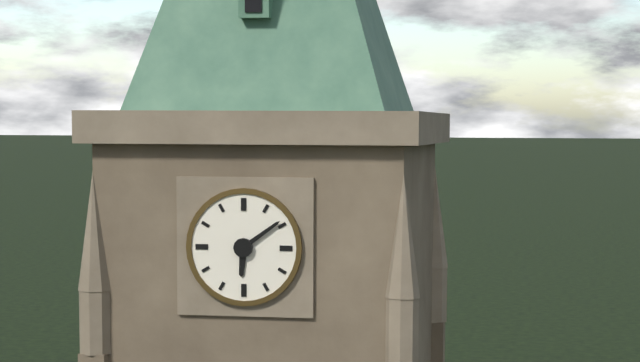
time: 6:09
